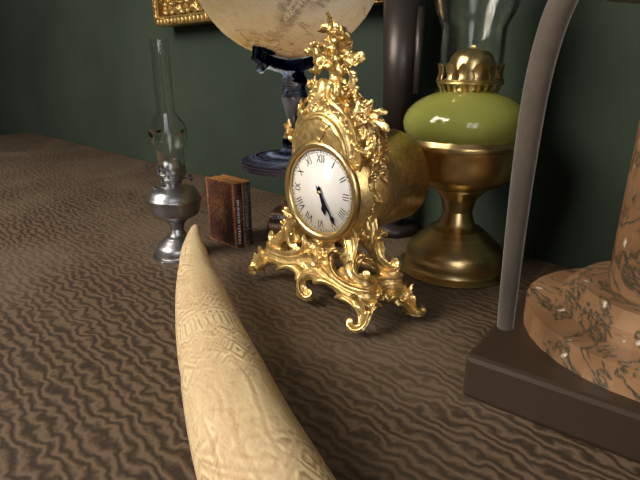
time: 5:24
